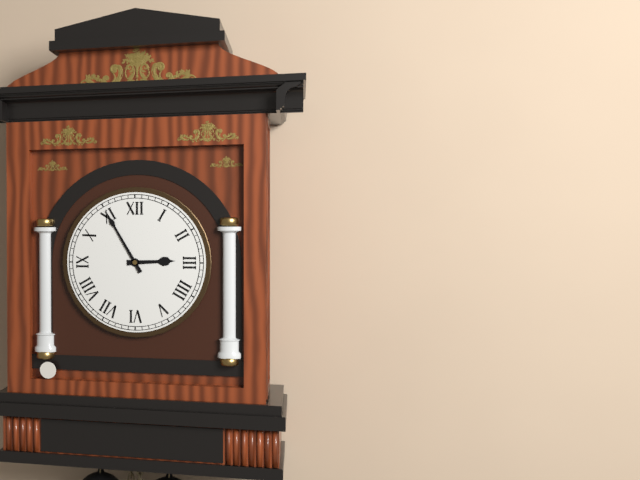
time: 2:55
